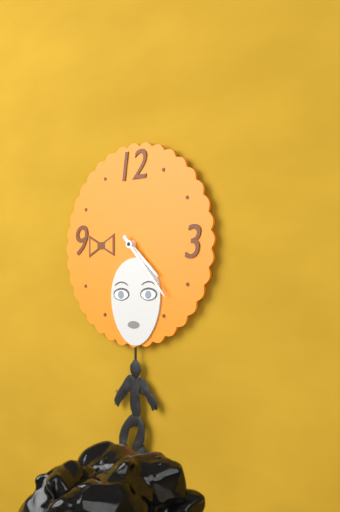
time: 4:23
